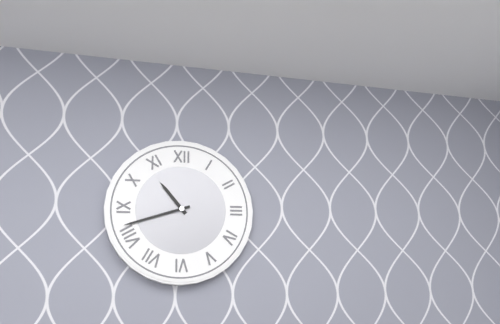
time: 10:42
